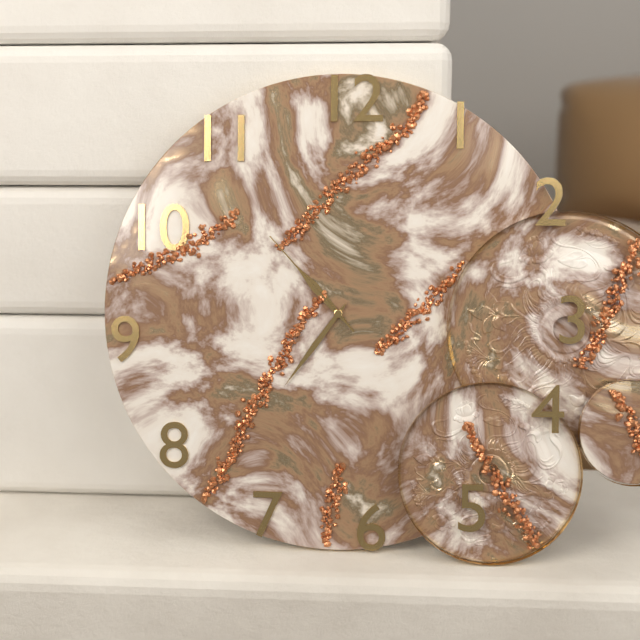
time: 10:36:53
